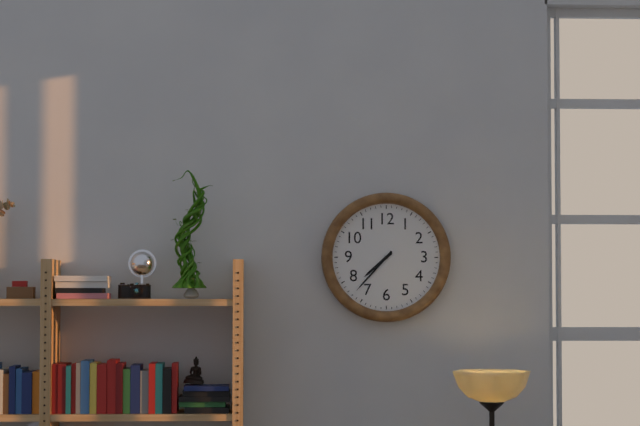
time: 7:37
